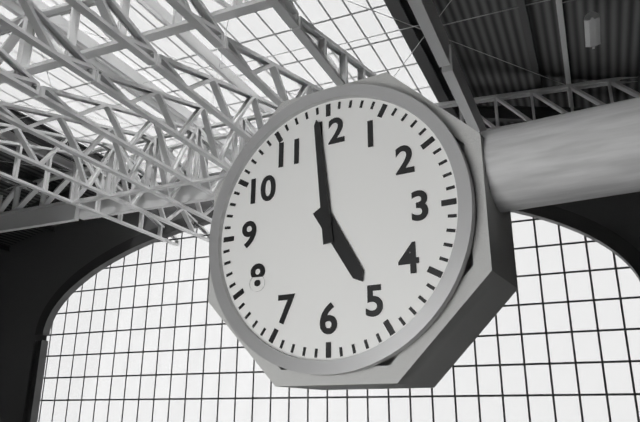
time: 4:59
